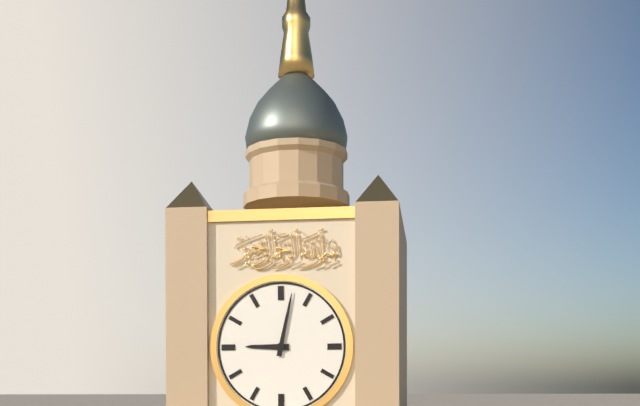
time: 9:02
